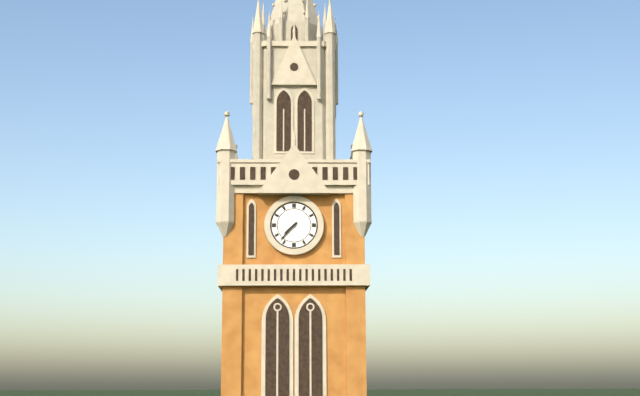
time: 7:37
